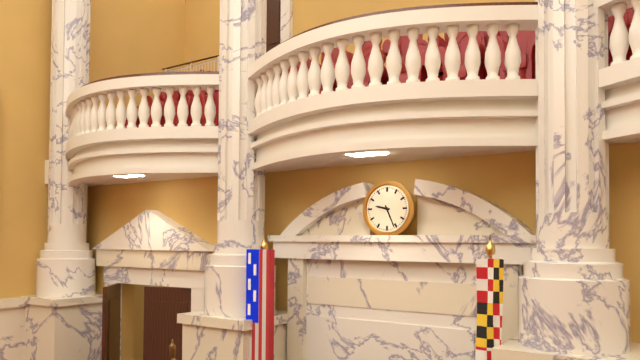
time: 9:26
